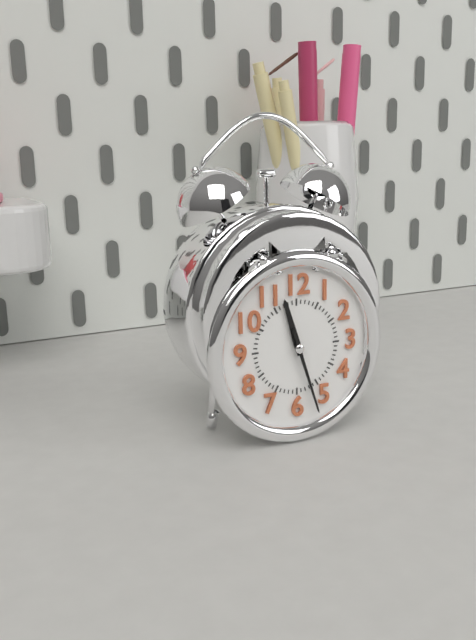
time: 11:27
